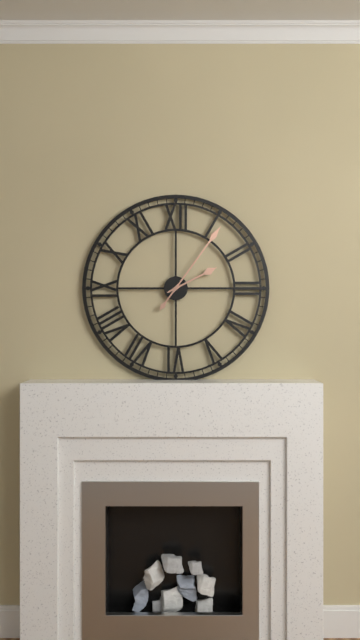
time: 2:06
